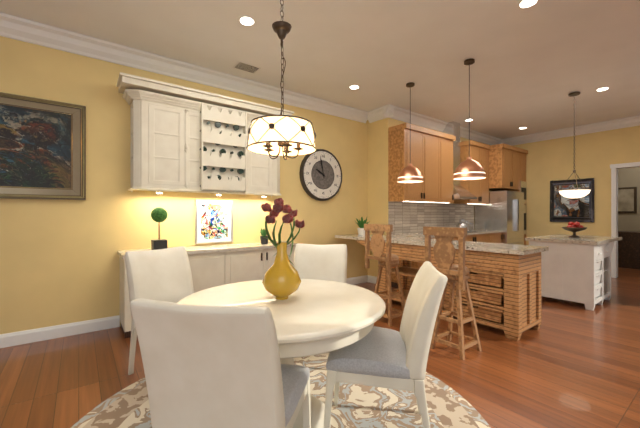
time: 9:58
